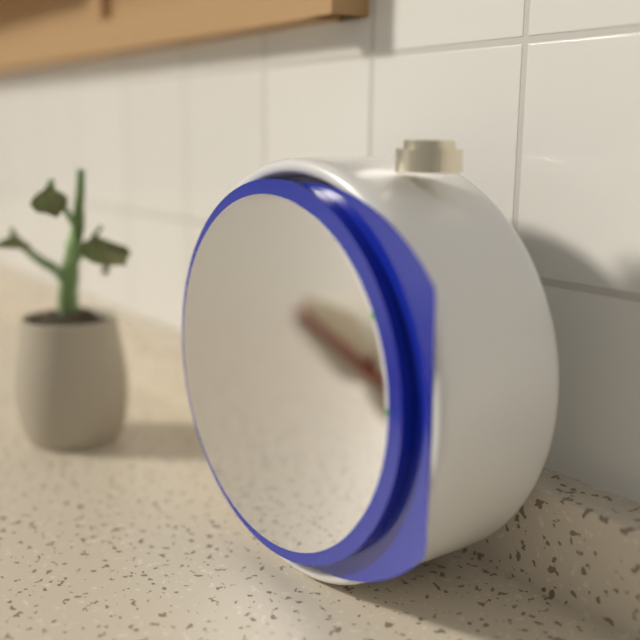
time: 5:35:24
